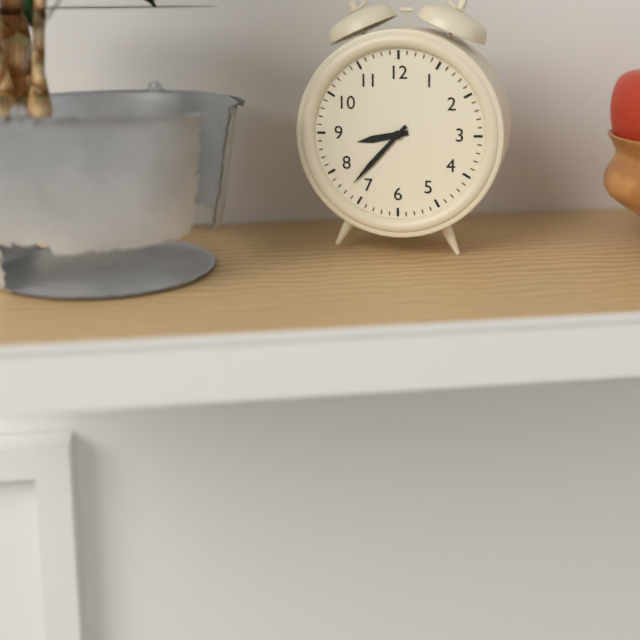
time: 8:37
